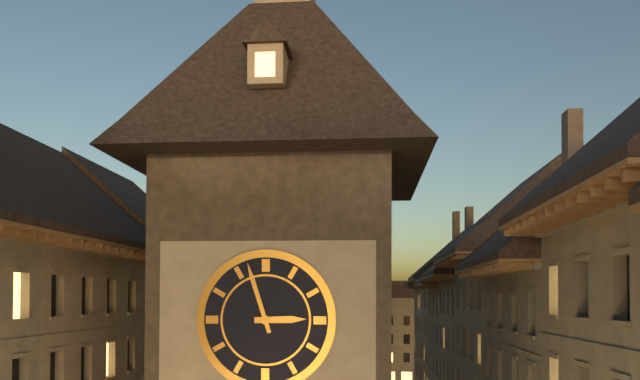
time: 2:57
